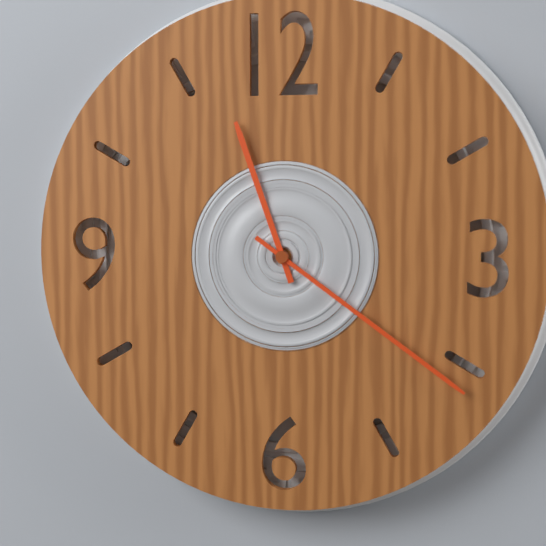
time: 11:21
